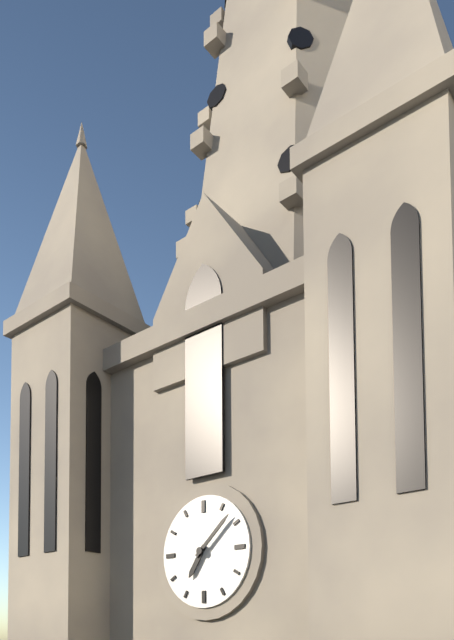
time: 7:08
